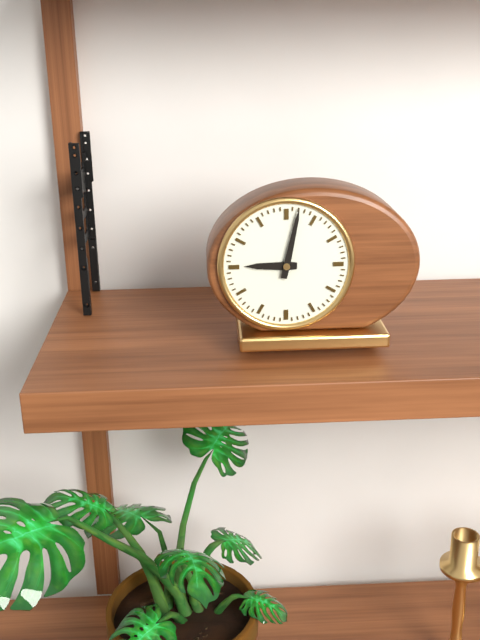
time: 9:02
